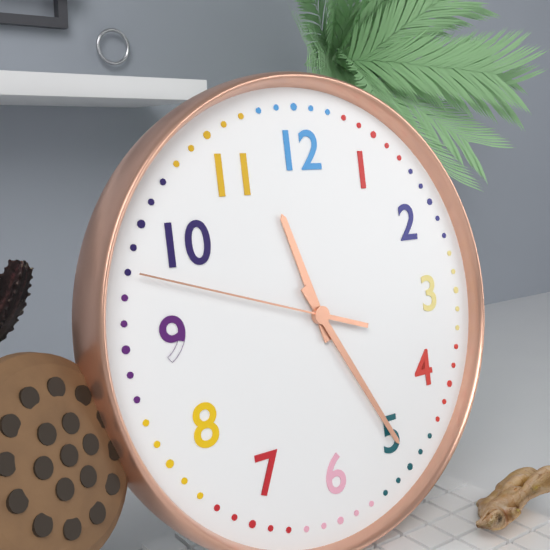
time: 11:25:48
